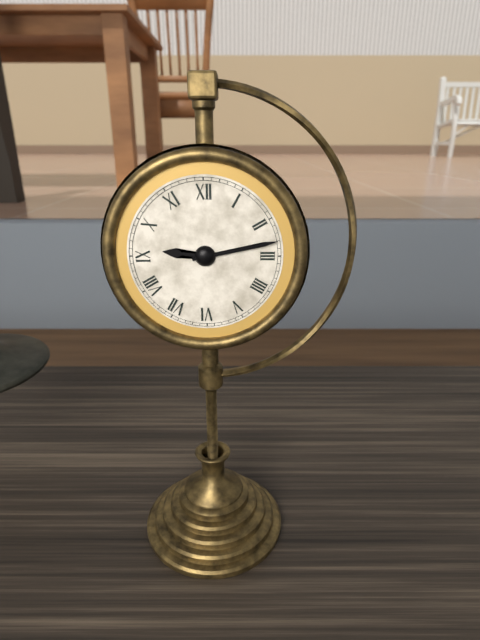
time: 9:13
